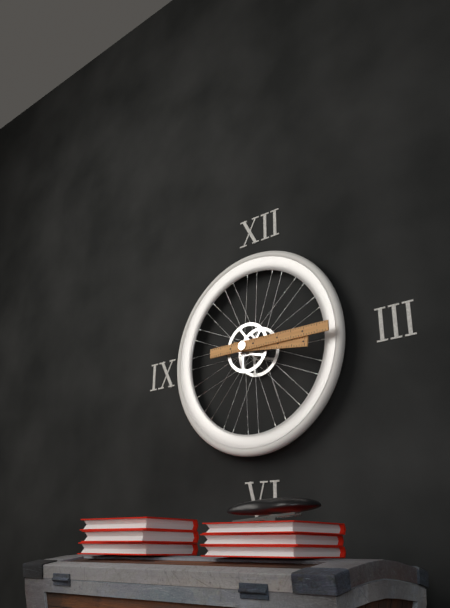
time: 3:15
